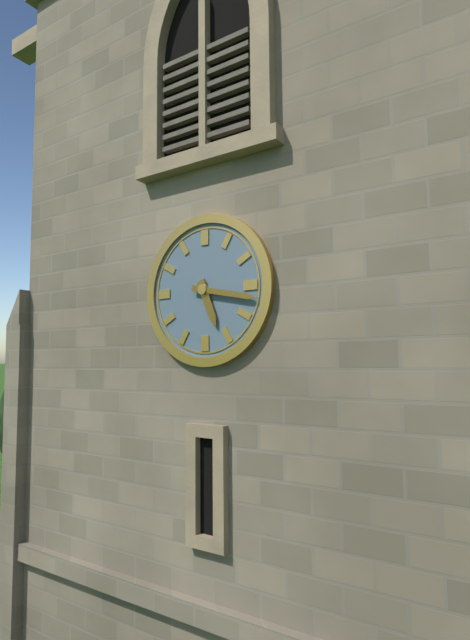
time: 5:17
